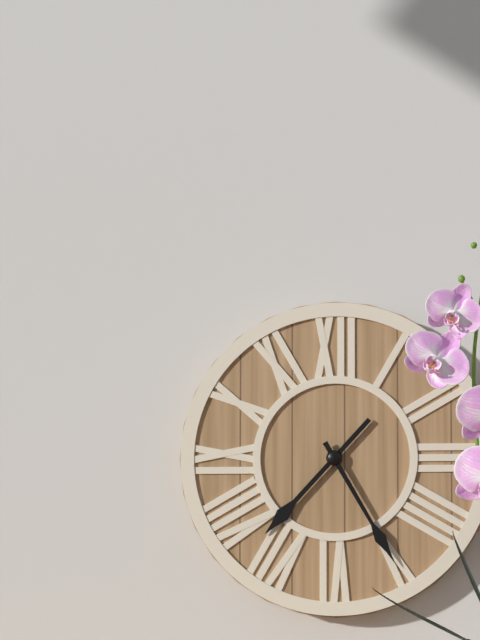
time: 7:25
